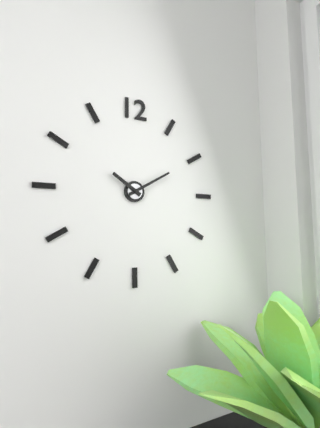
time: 10:10
